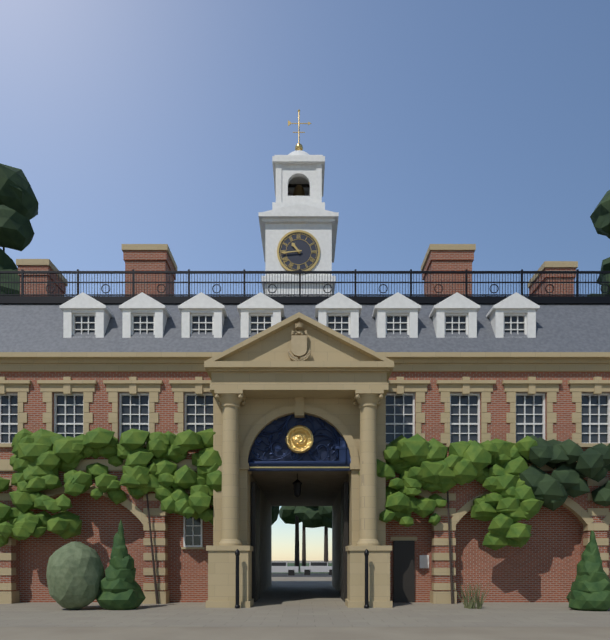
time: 10:44
